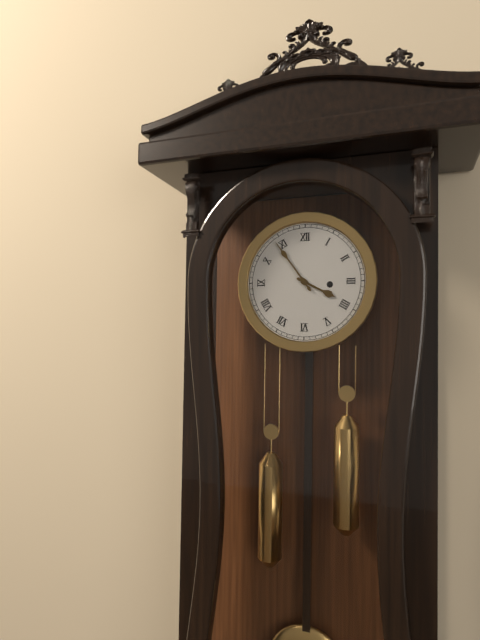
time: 3:54
